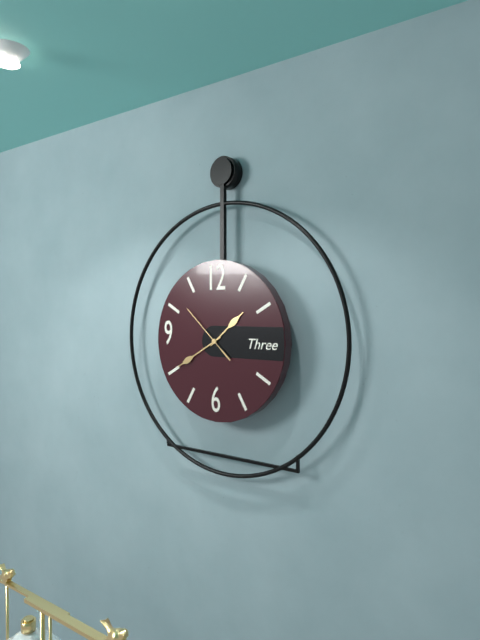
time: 1:40:52
